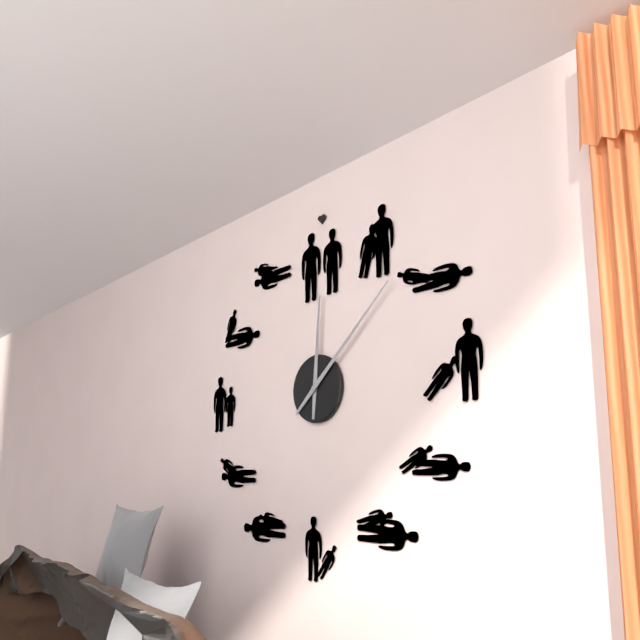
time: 12:08
